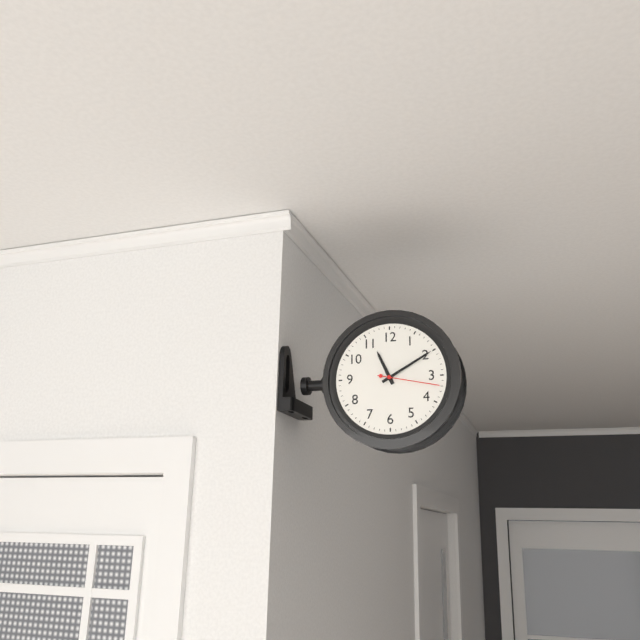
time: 11:10:17
